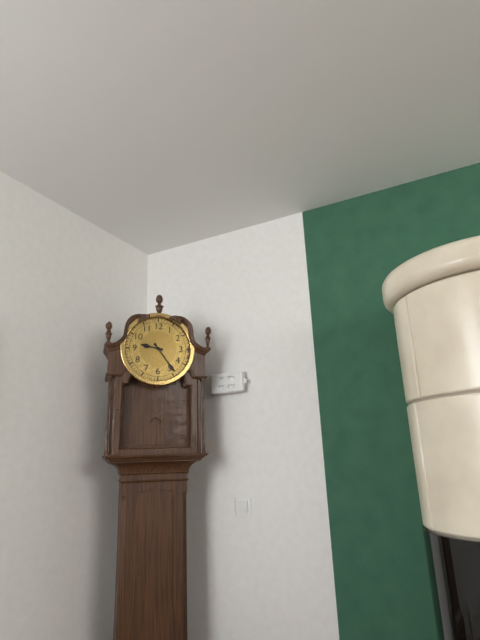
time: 9:24
